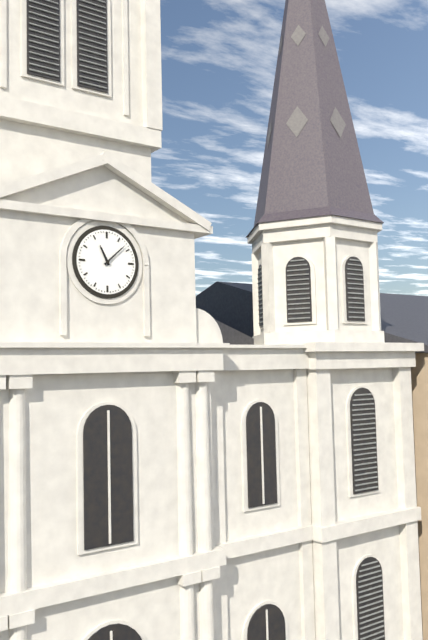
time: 11:08
